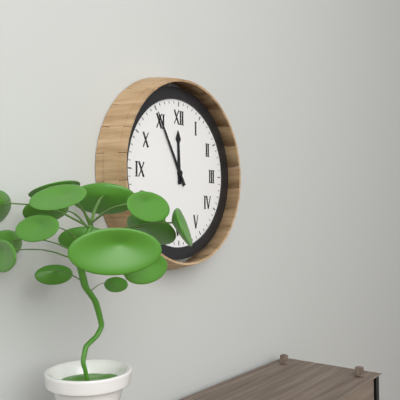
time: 11:55
